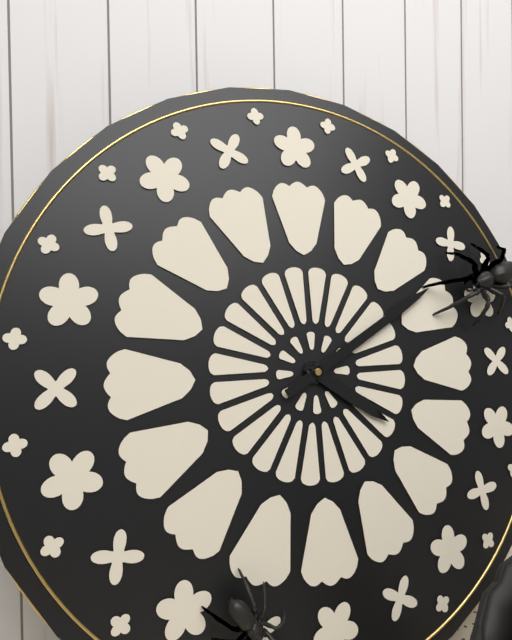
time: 4:10
